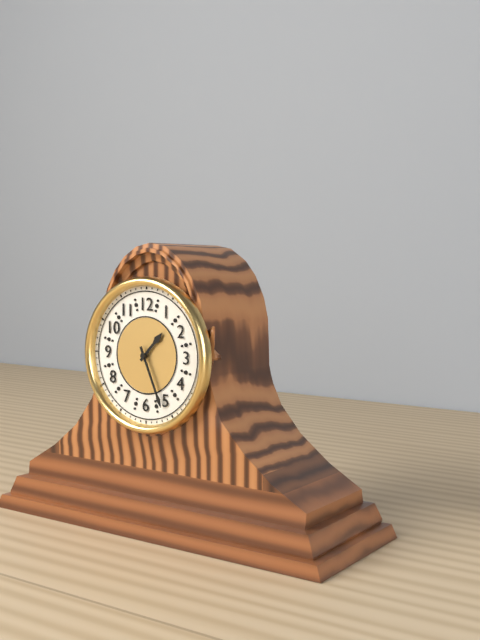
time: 1:26
